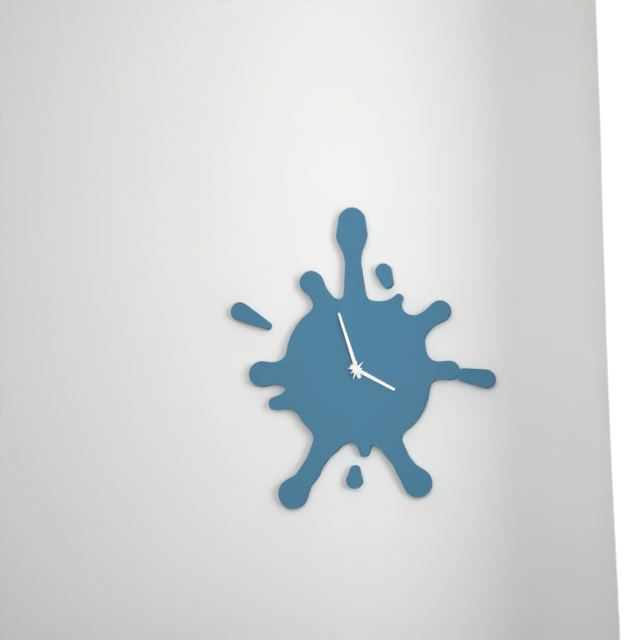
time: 3:57
